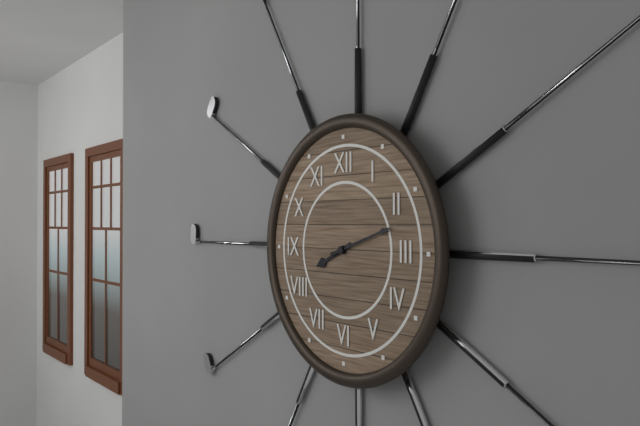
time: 8:12
